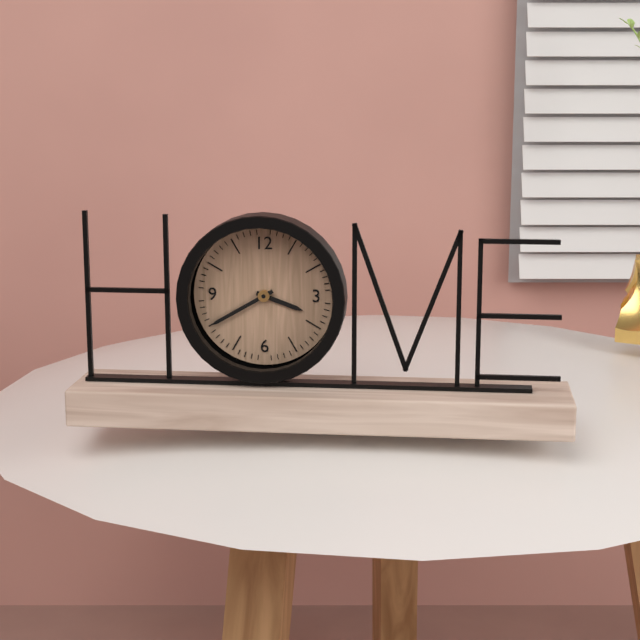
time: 3:40
